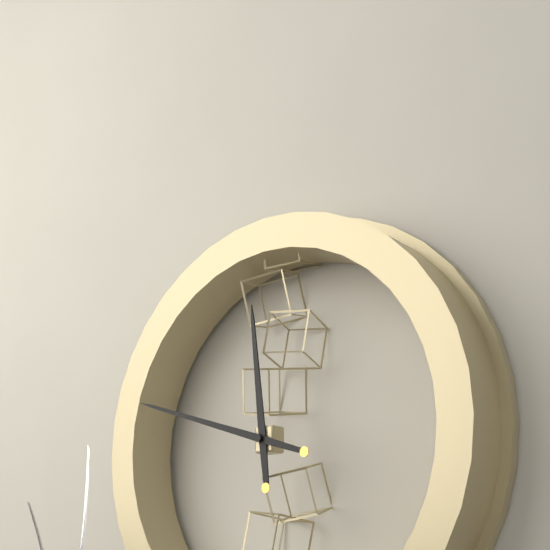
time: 11:48
